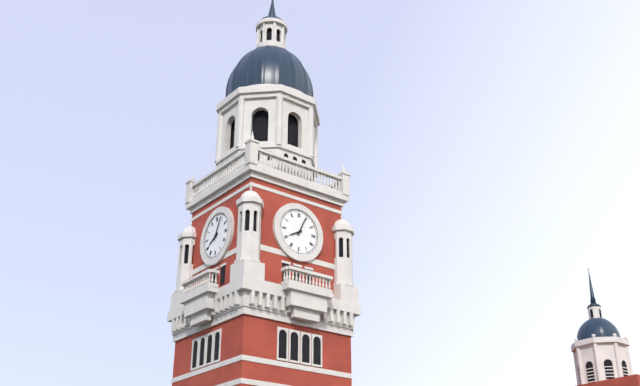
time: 8:04
